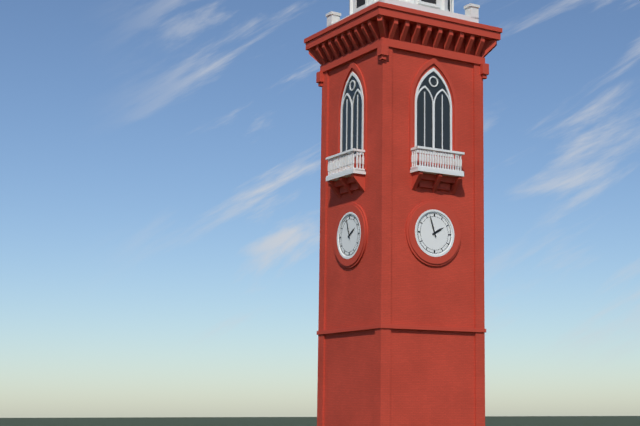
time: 1:57
